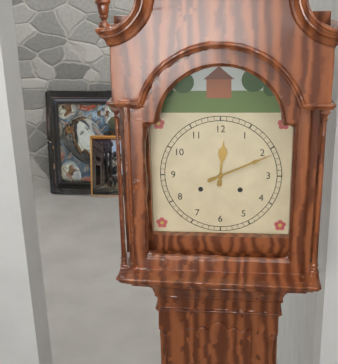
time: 12:11
